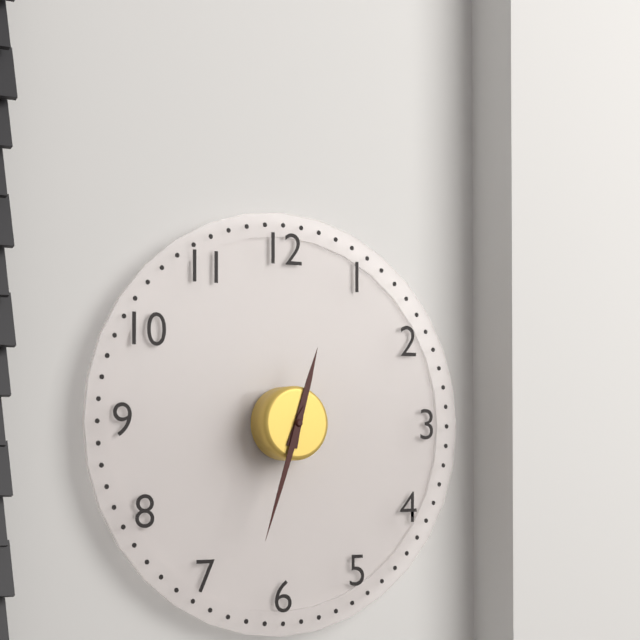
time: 12:33
